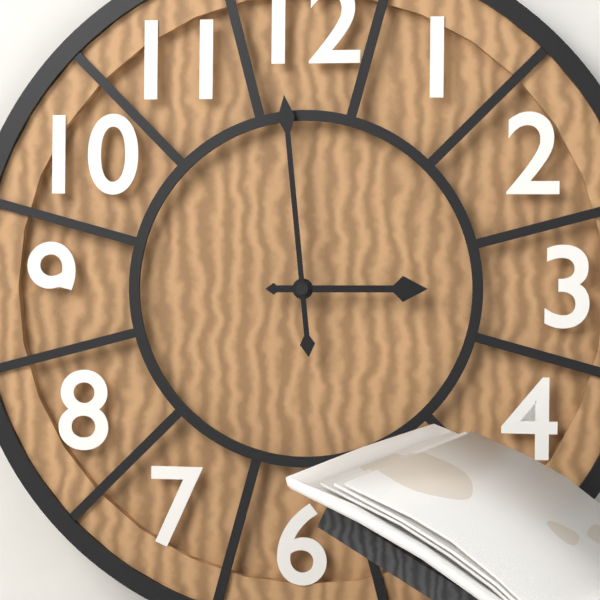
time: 2:59
